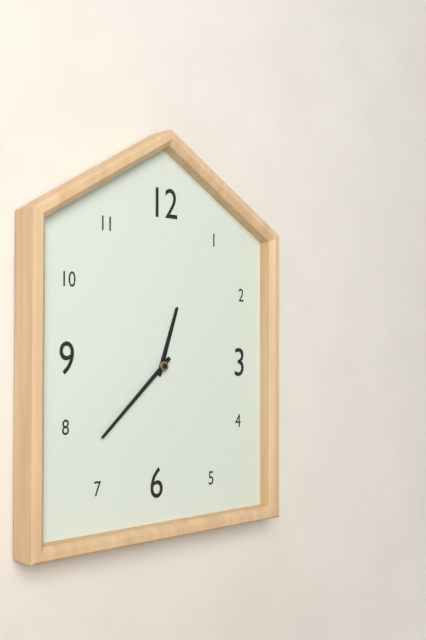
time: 12:38
